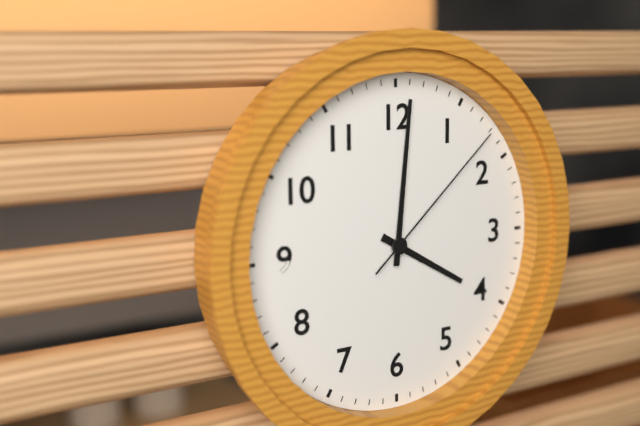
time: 4:01:08
